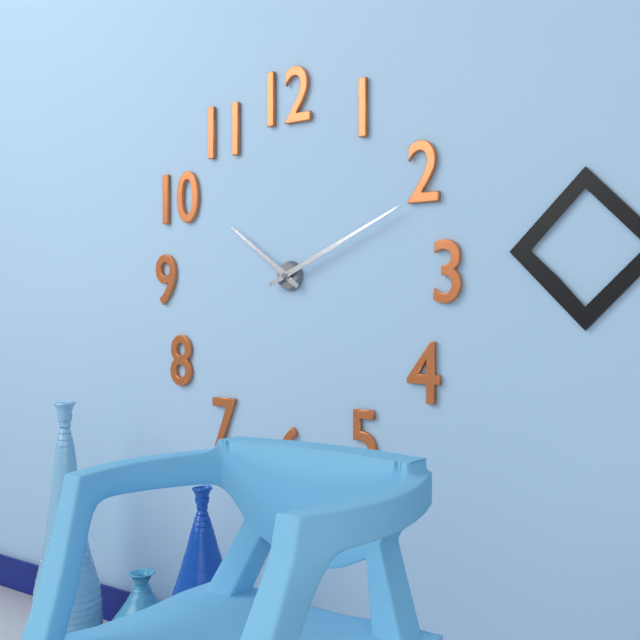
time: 10:11
